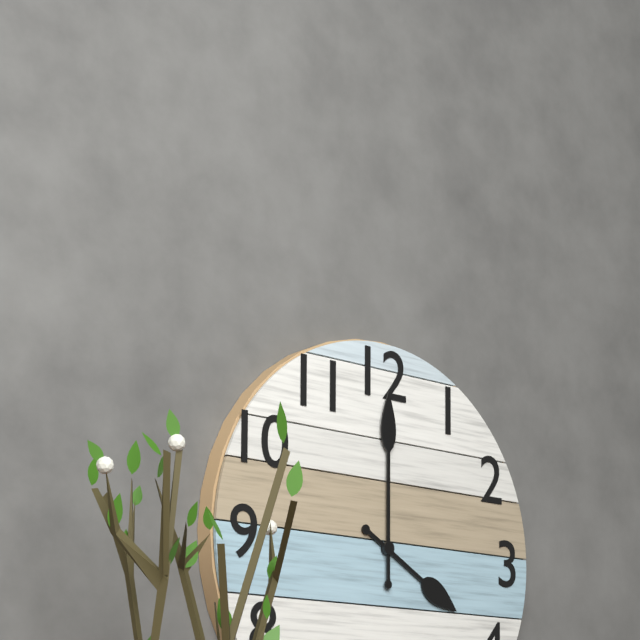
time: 4:00
